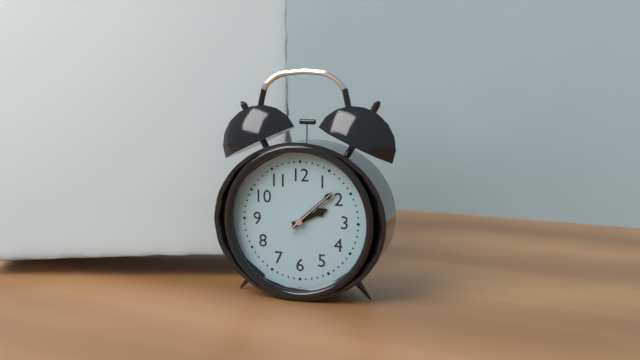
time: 2:08:08
